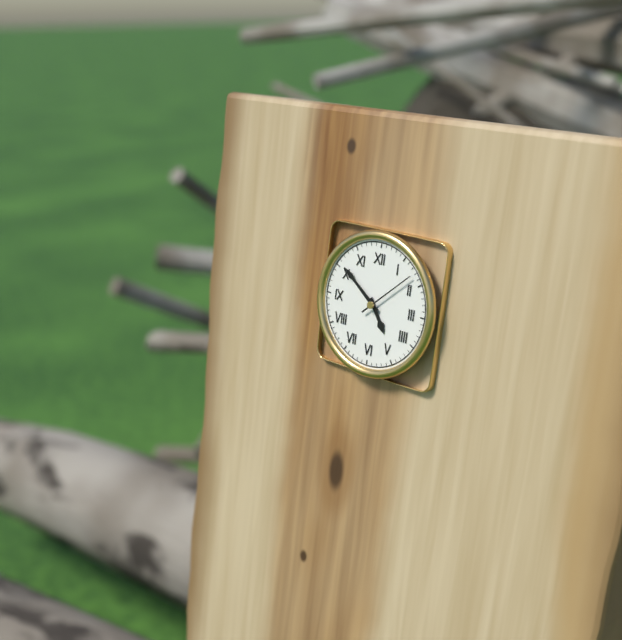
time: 4:51:08
